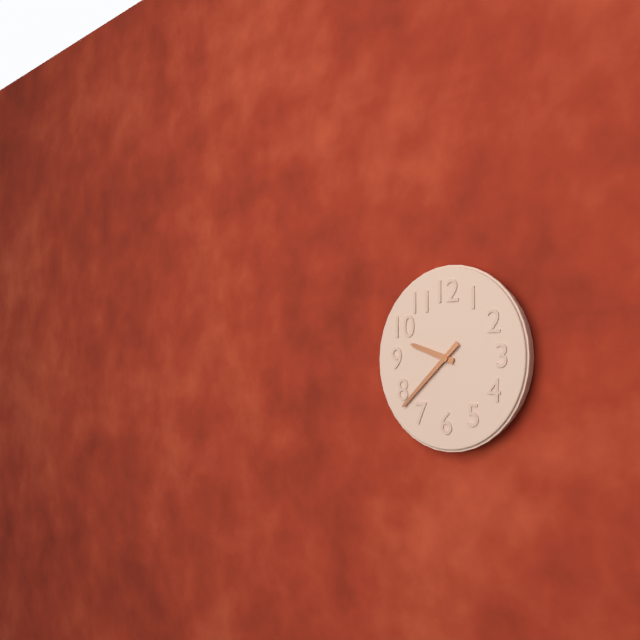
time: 9:38
